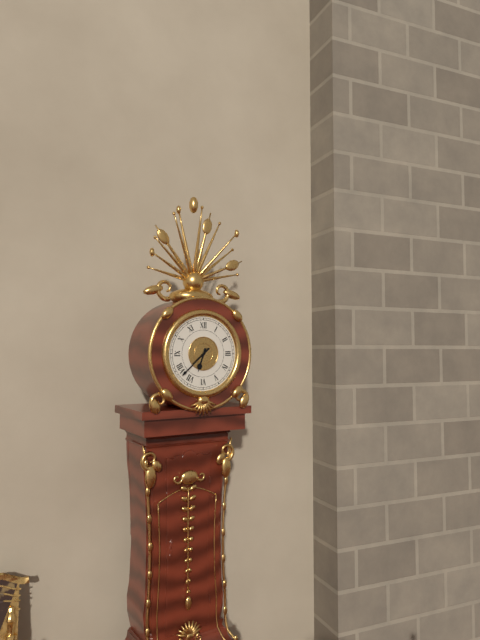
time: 6:38
